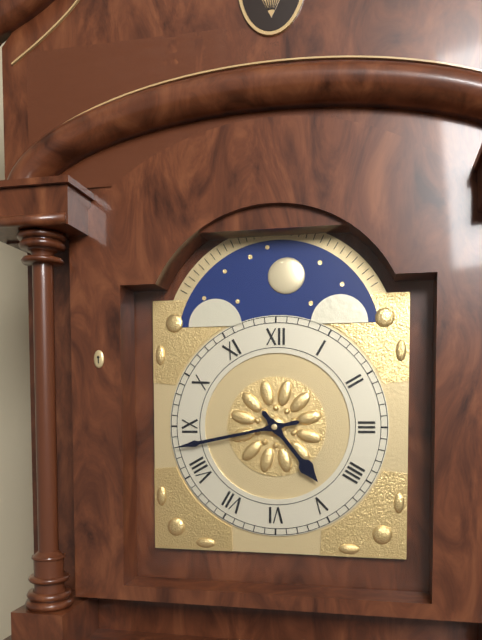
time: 4:43
